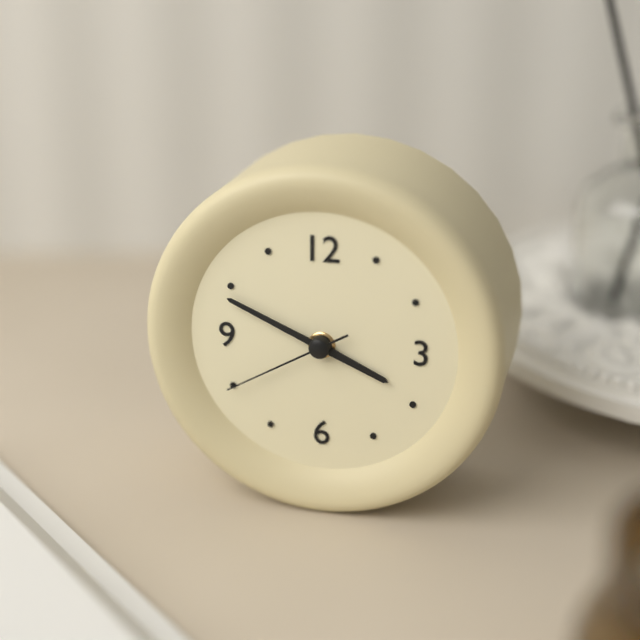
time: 3:49:40
